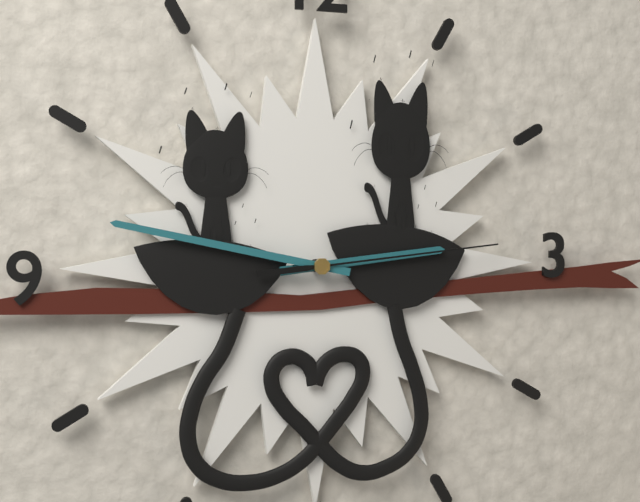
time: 2:47:14
